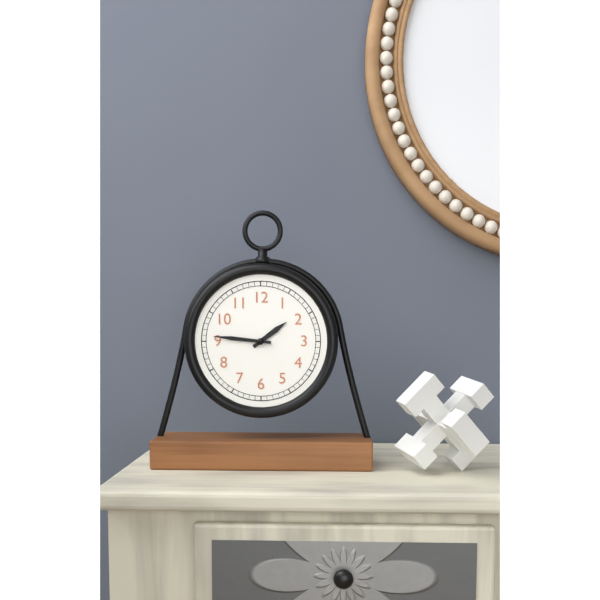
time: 1:46
